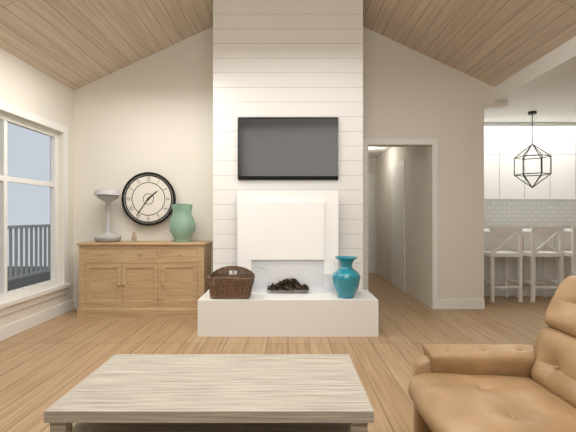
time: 1:36
